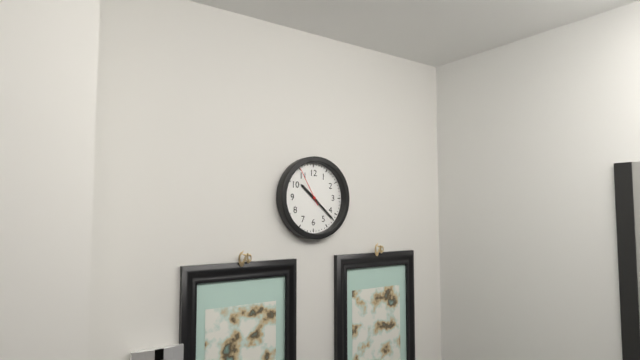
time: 10:22
